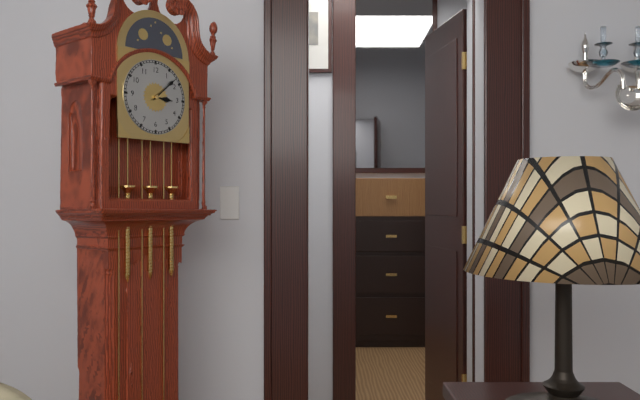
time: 3:08
